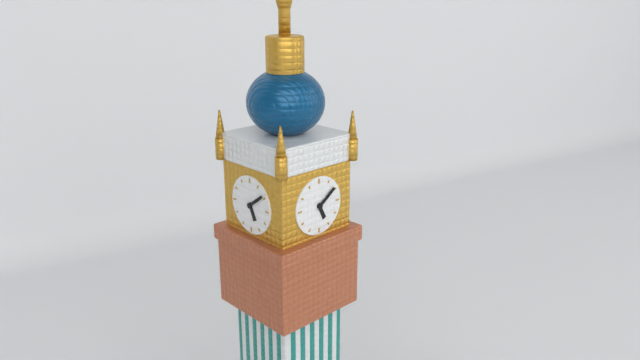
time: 5:09
